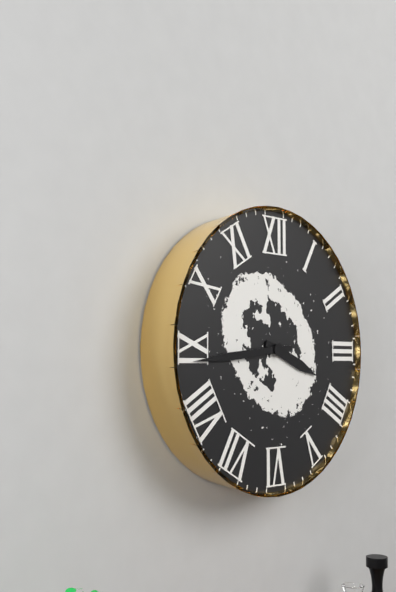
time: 3:44
